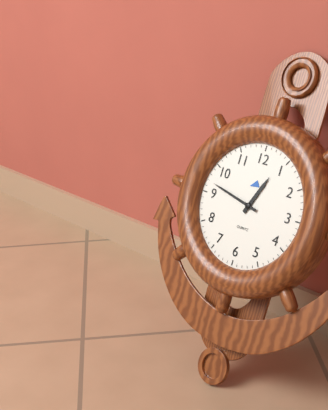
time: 12:47
